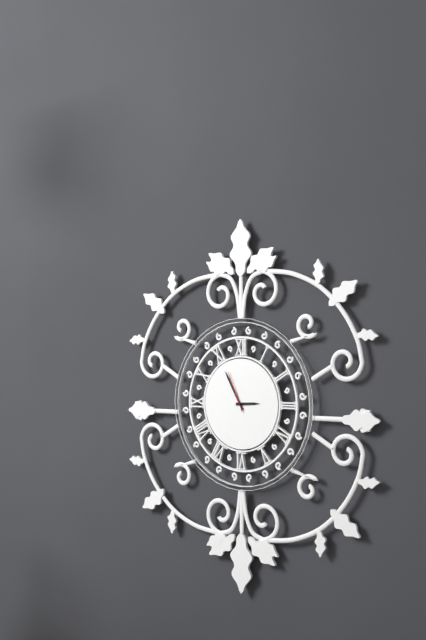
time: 2:55
